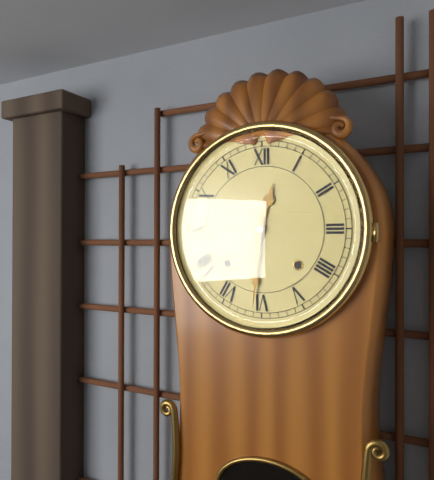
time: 12:31
